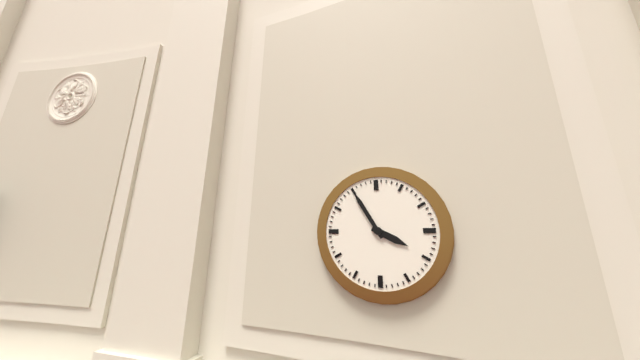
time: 3:55
